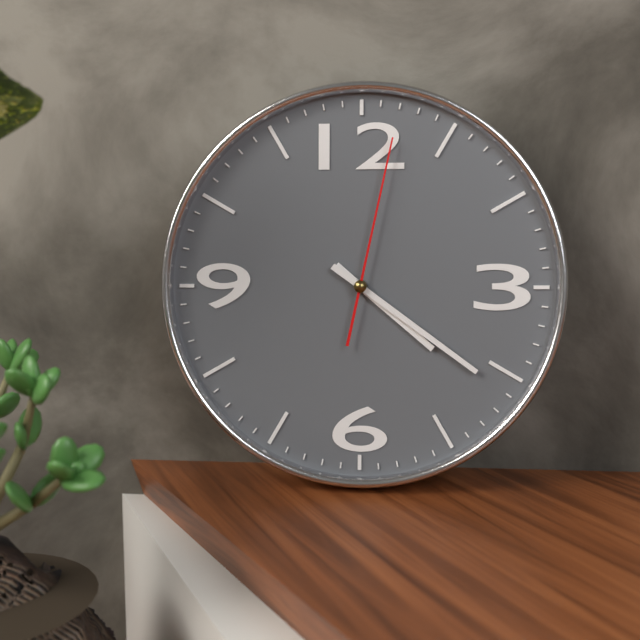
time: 4:21:02
